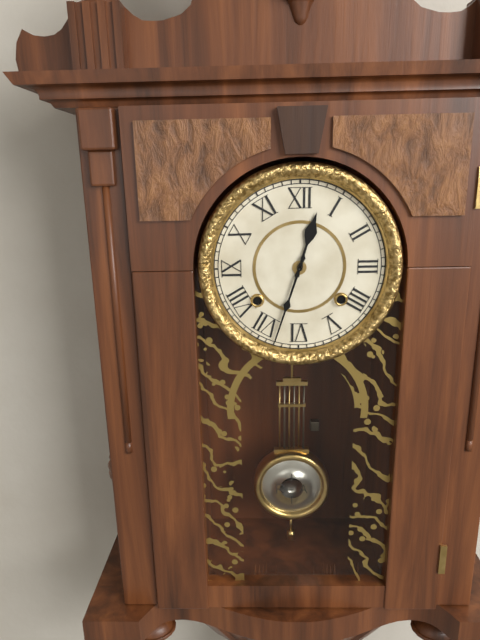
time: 12:33
